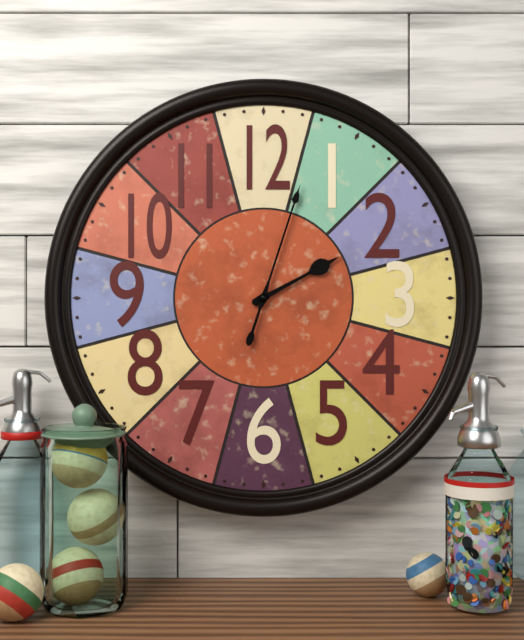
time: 2:03
